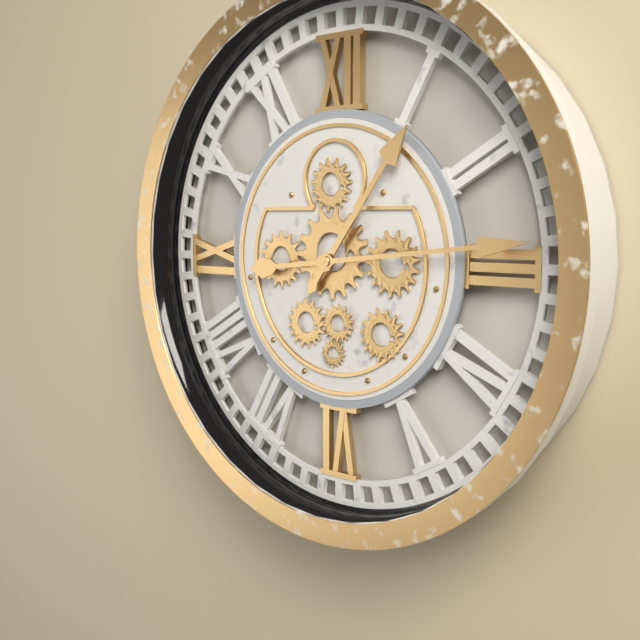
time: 1:14
